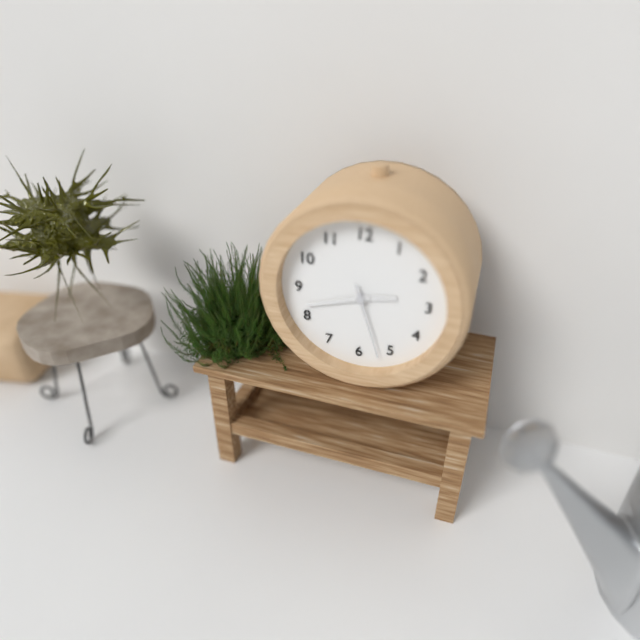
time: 2:42:27
